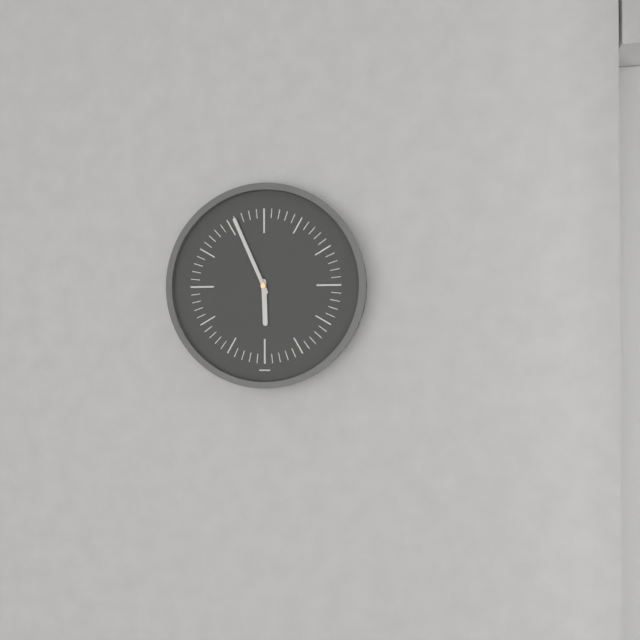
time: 5:56
